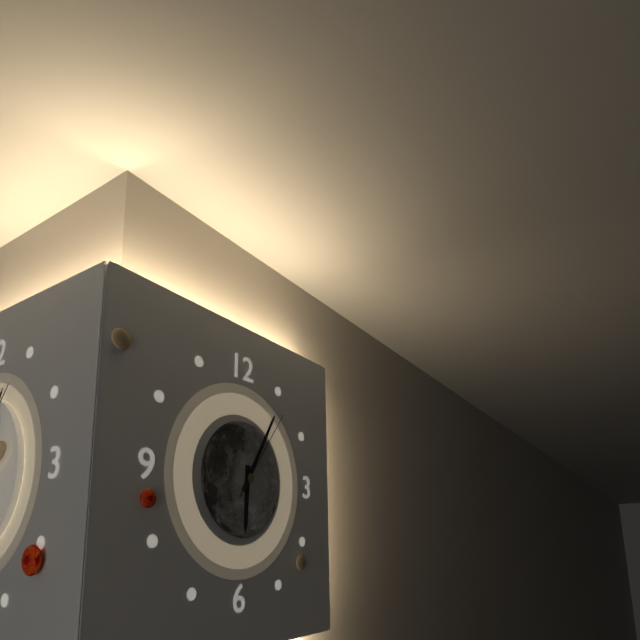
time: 6:05:06
